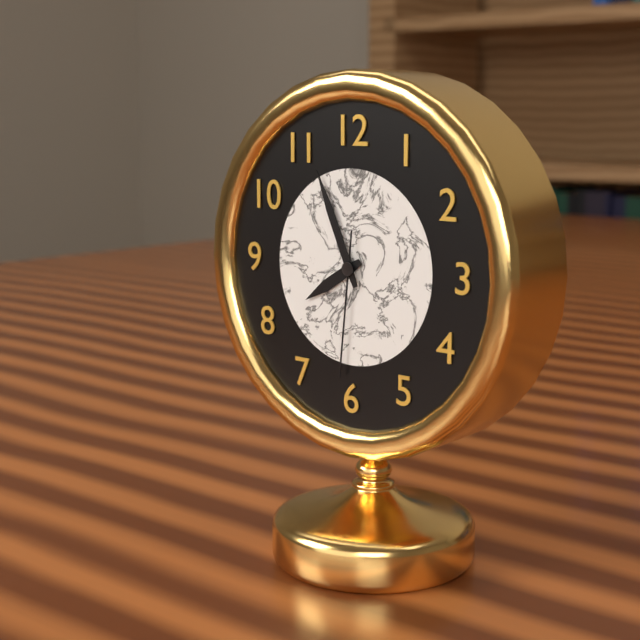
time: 7:56:31
